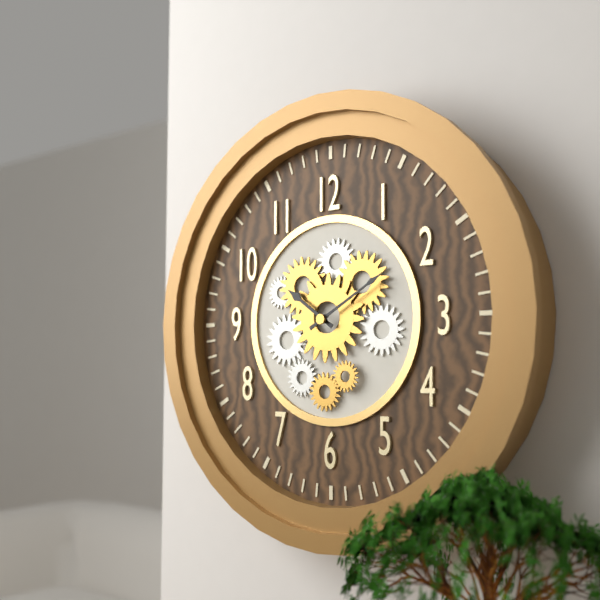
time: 10:10
